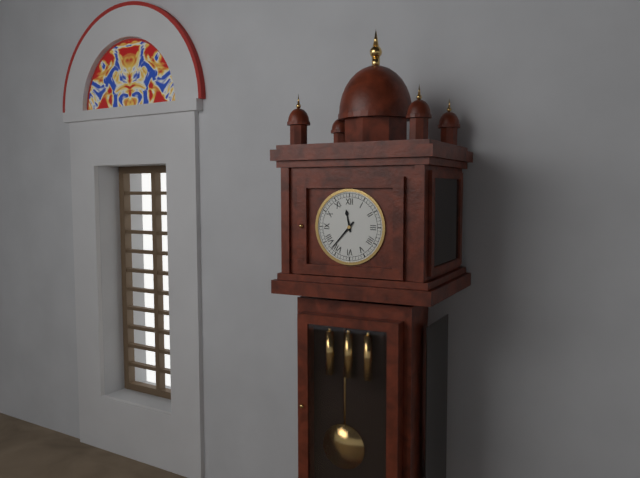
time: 11:37
